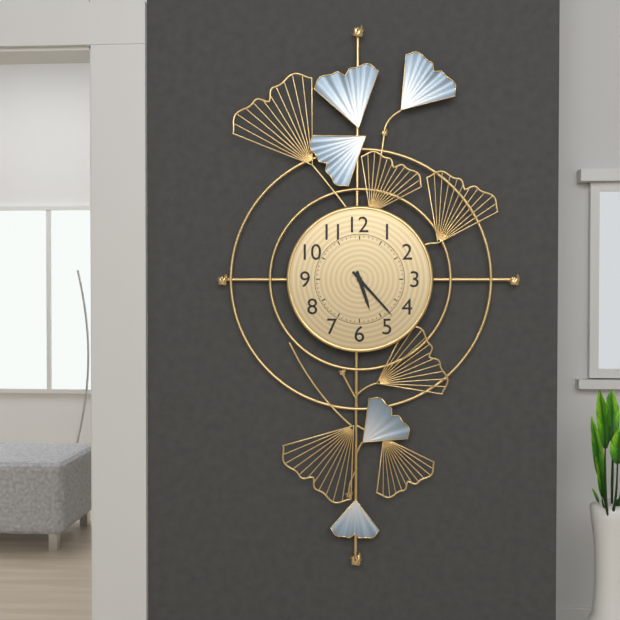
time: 5:23
